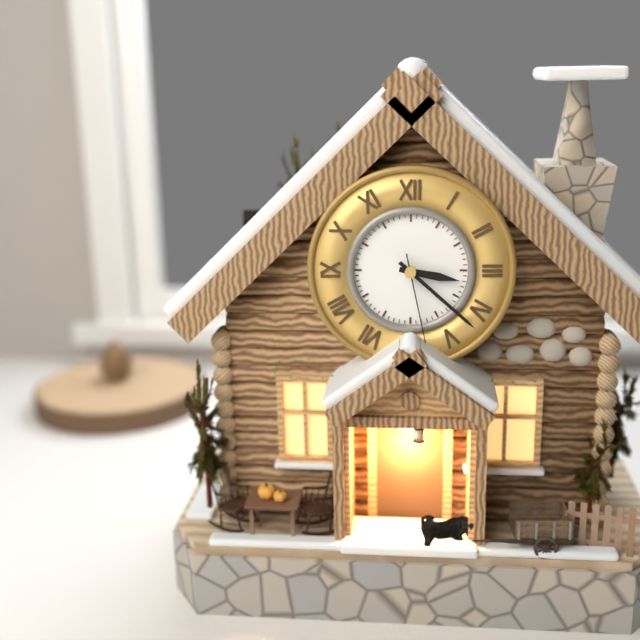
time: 3:22:28
